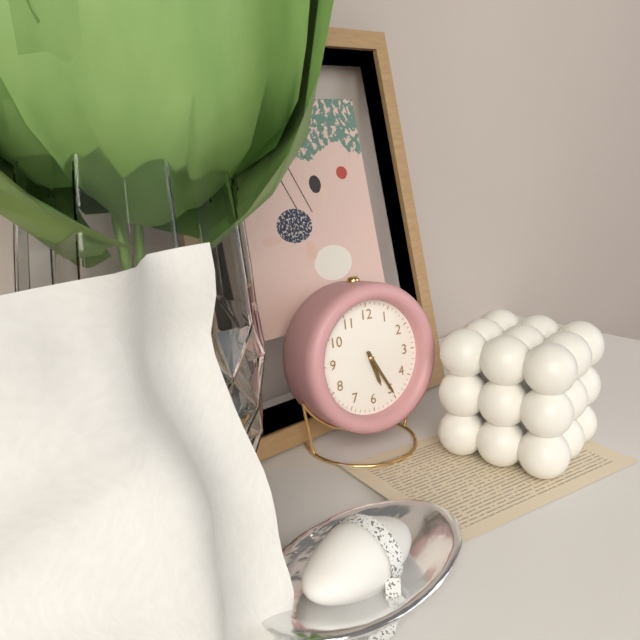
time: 5:25
